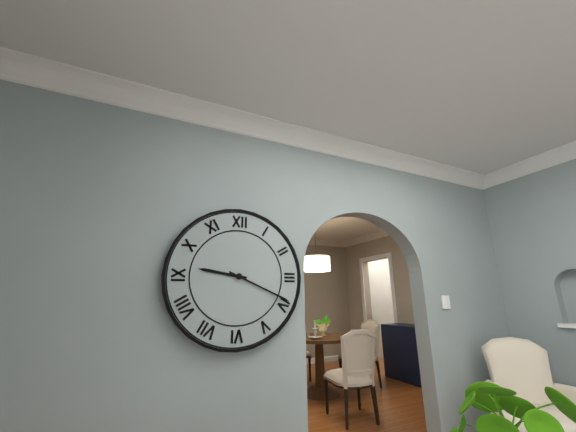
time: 9:19
